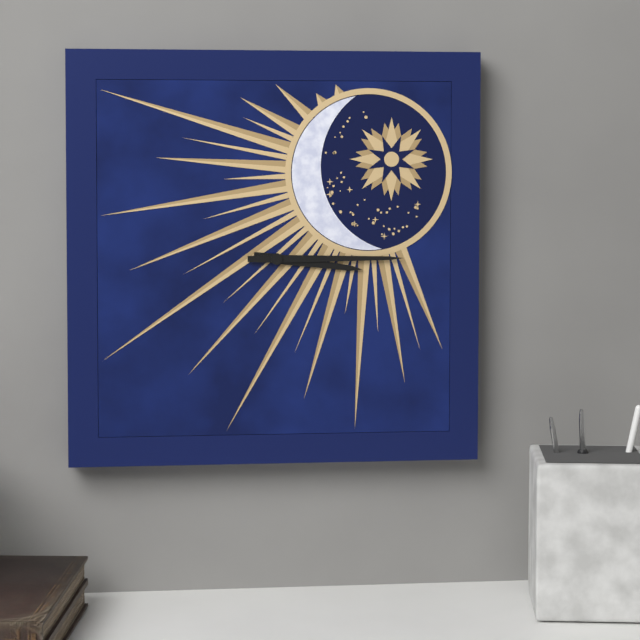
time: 3:15
